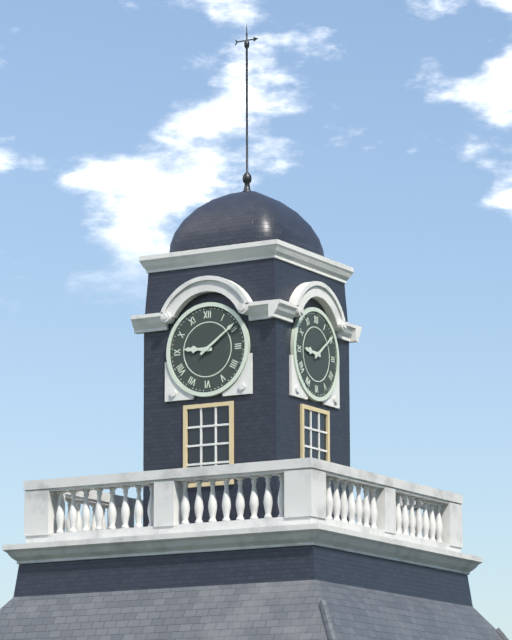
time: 9:09
